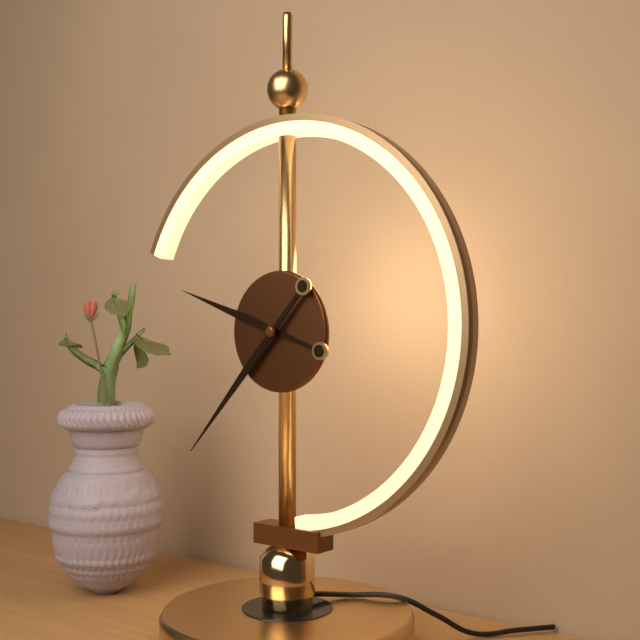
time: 9:37
